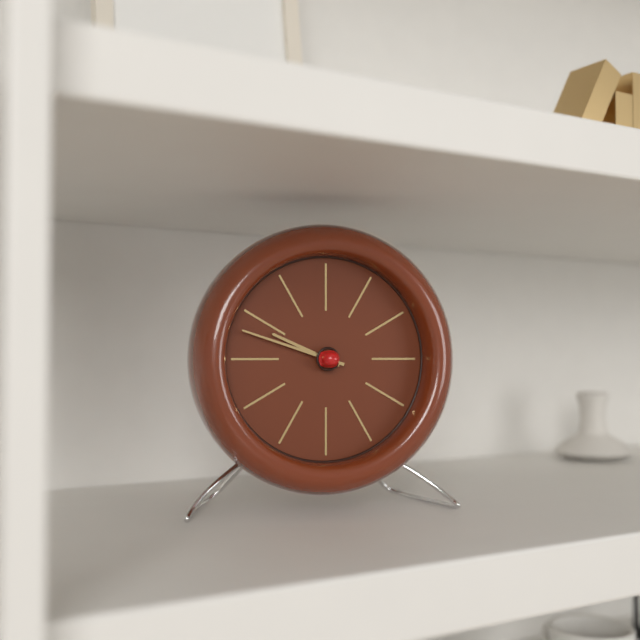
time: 9:48
